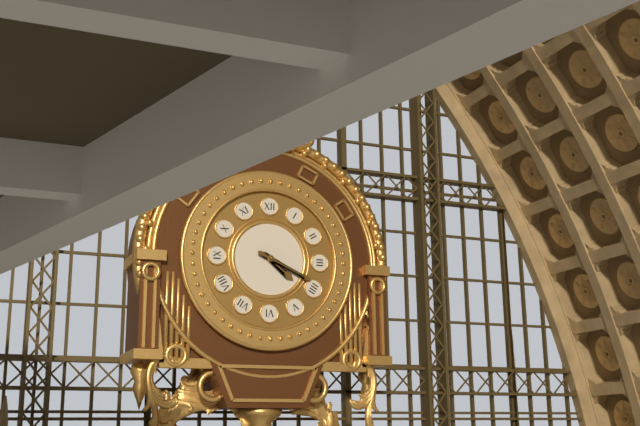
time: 4:19
